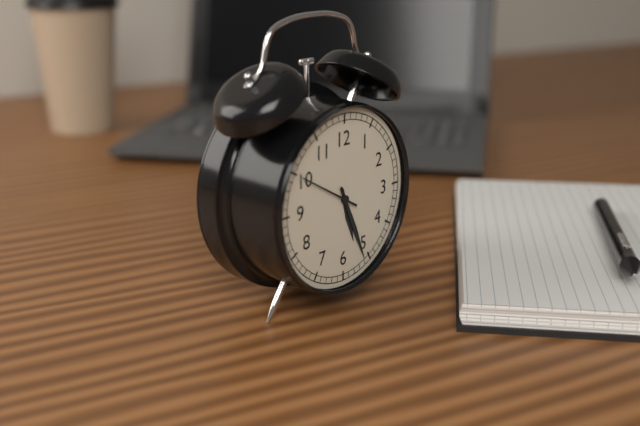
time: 5:26
